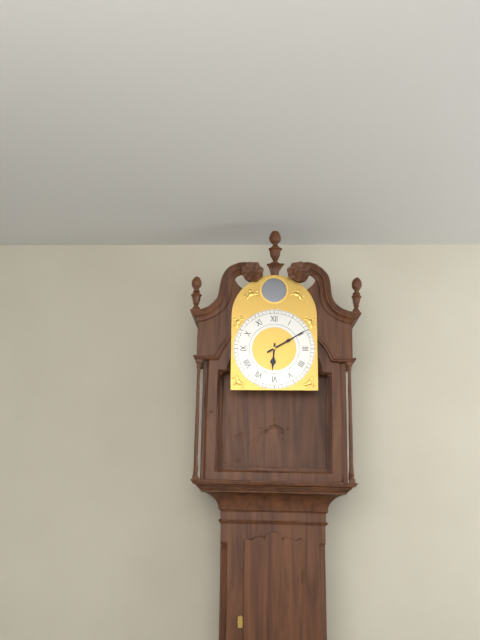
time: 6:10
